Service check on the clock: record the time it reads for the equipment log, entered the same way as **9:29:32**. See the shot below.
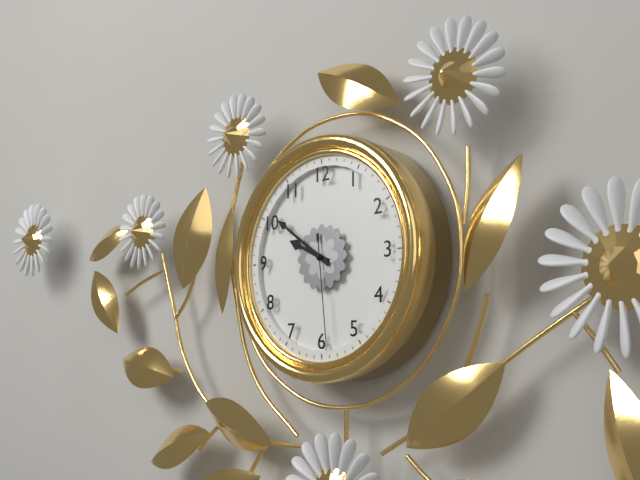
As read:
**9:51:29**
